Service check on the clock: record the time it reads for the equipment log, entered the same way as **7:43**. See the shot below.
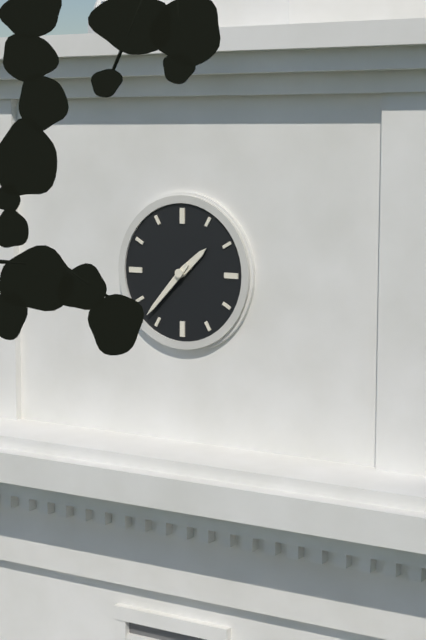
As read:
**1:37**
